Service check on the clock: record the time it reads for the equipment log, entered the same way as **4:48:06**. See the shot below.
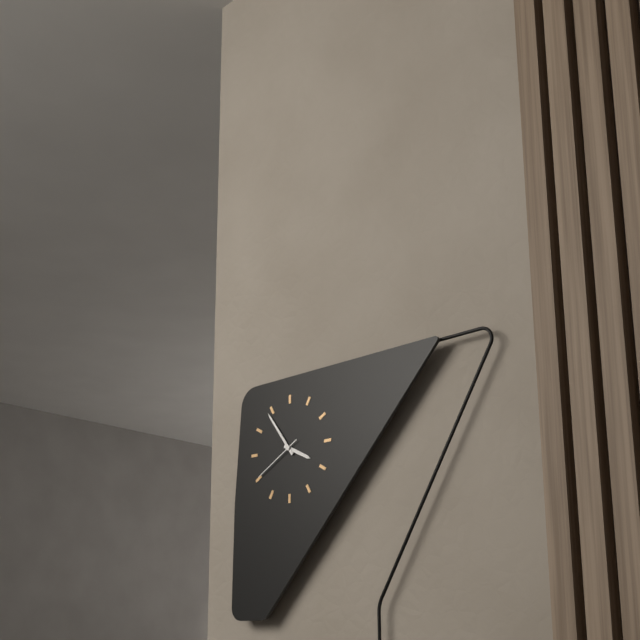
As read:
**3:54:40**
